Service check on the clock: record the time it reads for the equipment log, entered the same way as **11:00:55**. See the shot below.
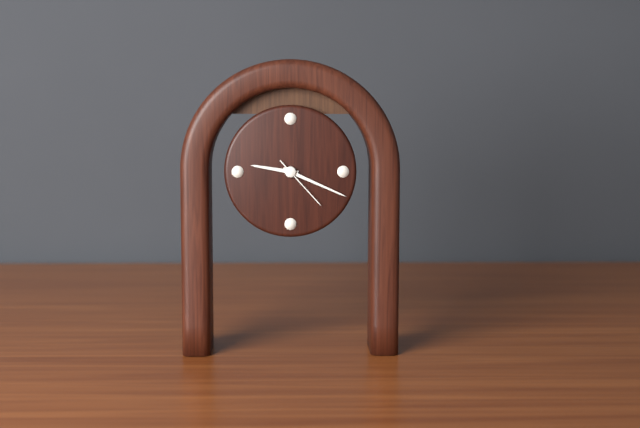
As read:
**9:19:23**
